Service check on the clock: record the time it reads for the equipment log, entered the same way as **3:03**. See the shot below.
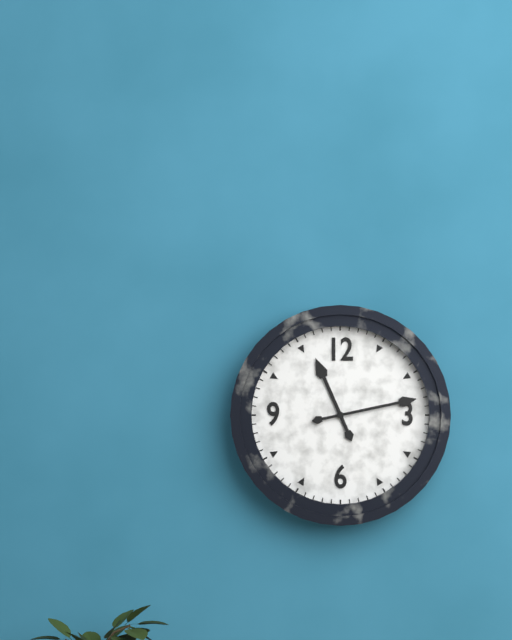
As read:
**11:13**
